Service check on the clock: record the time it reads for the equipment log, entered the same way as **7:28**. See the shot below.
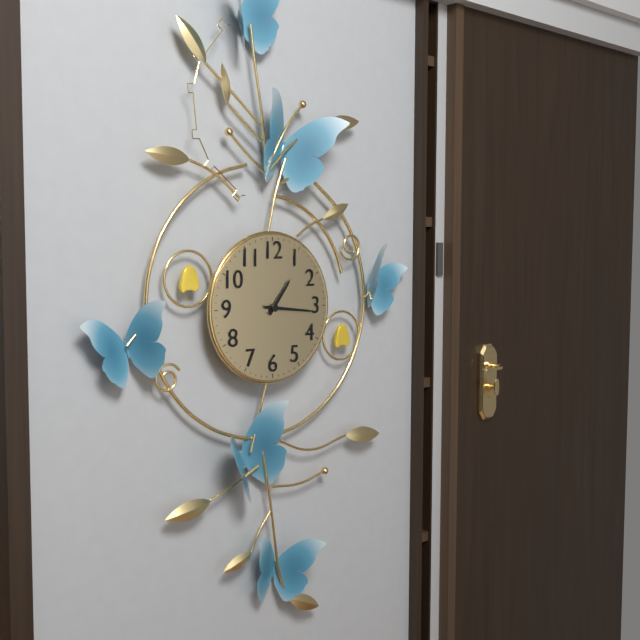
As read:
**1:16**
